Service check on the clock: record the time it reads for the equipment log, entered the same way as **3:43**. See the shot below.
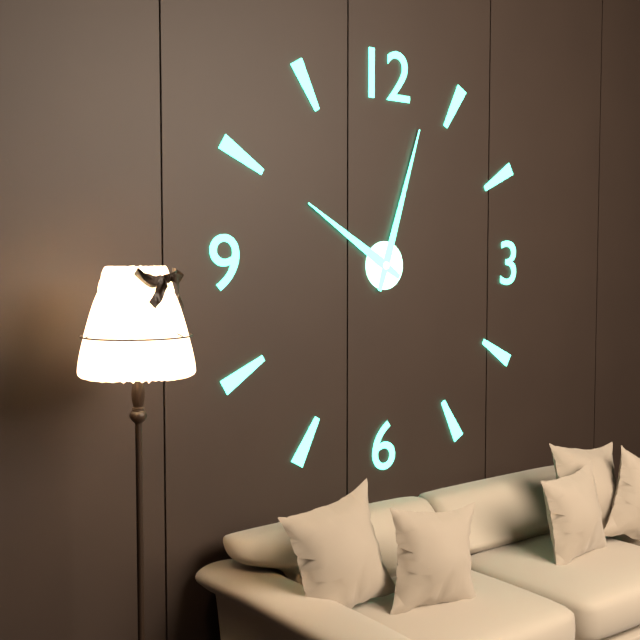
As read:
**10:03**
